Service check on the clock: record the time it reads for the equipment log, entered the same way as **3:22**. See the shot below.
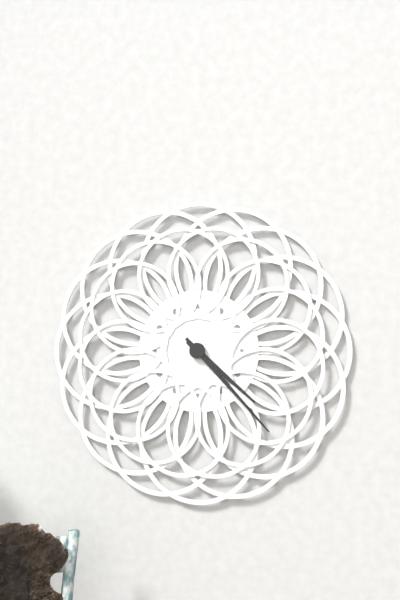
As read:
**4:23**
